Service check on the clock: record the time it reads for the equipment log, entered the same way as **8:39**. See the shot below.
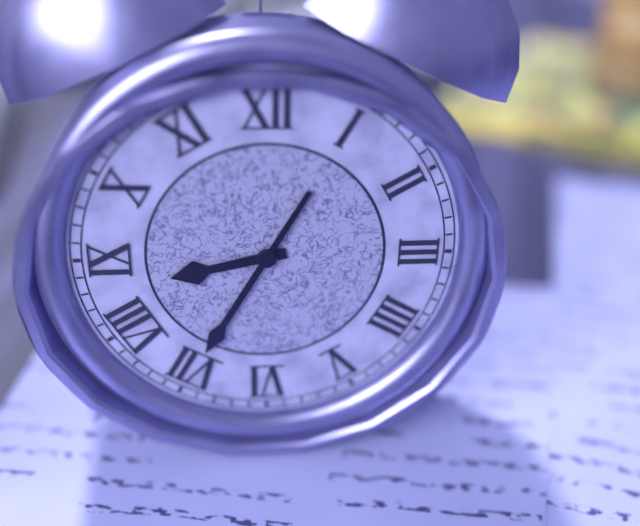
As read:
**8:35**
